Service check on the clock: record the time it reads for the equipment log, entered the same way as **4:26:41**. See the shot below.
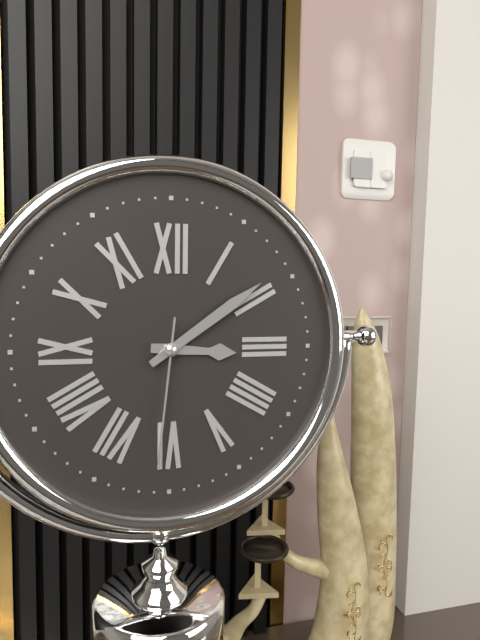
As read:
**3:09:31**
